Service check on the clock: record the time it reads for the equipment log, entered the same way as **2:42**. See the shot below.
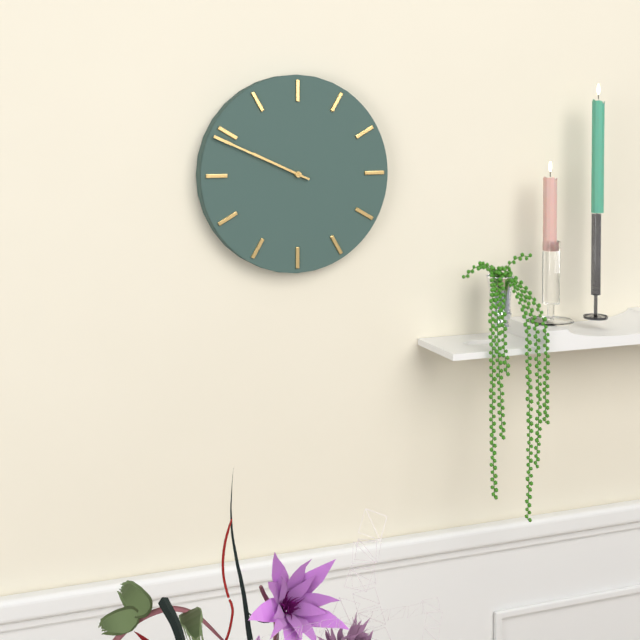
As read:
**9:49**
